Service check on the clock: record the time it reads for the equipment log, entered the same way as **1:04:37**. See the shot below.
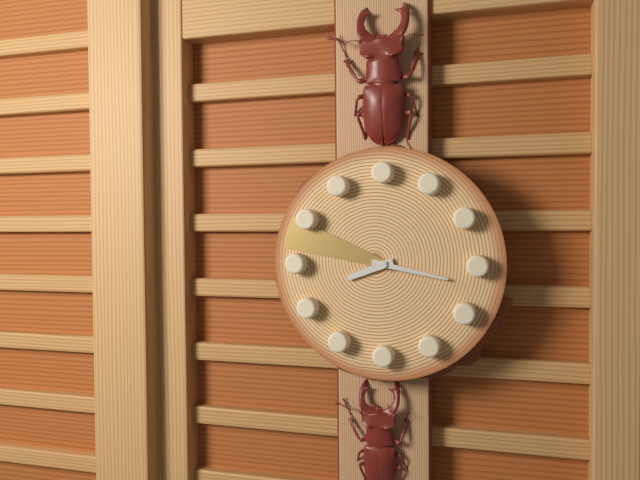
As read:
**8:17:48**
